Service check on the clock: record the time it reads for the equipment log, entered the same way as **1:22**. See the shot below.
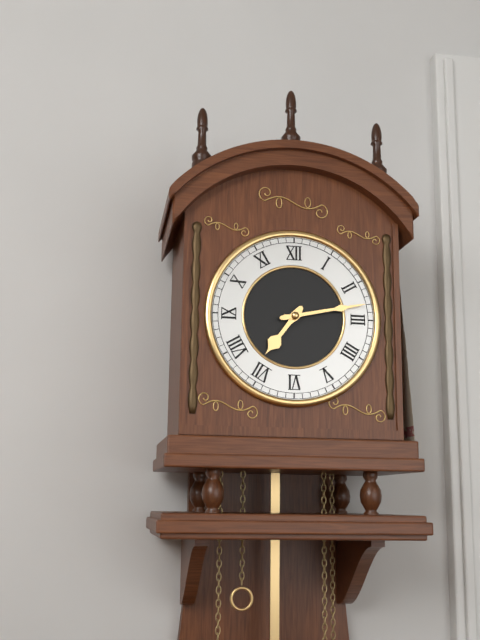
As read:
**7:13**
